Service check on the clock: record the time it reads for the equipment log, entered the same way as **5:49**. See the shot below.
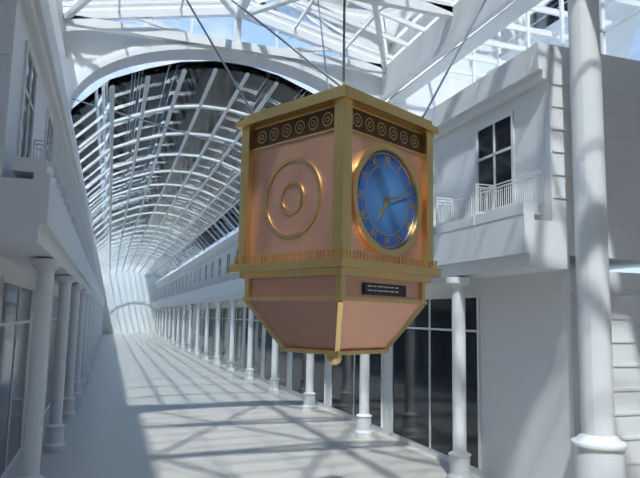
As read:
**7:12**
